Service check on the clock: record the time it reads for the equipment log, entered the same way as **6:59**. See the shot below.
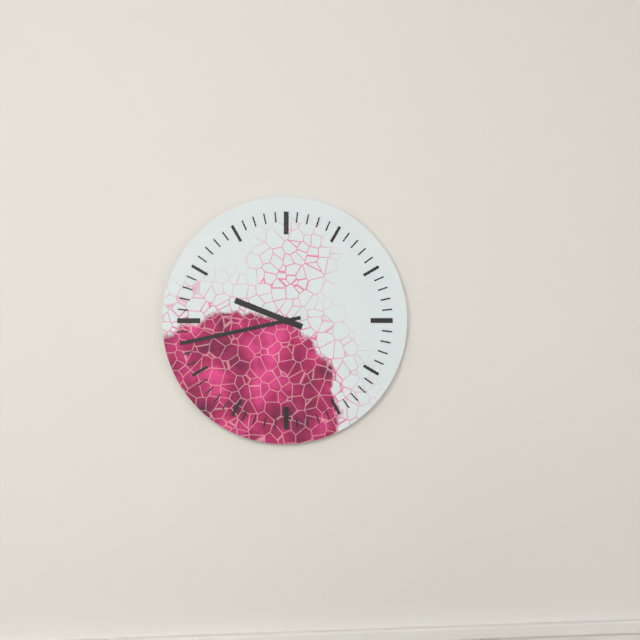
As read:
**9:43**
